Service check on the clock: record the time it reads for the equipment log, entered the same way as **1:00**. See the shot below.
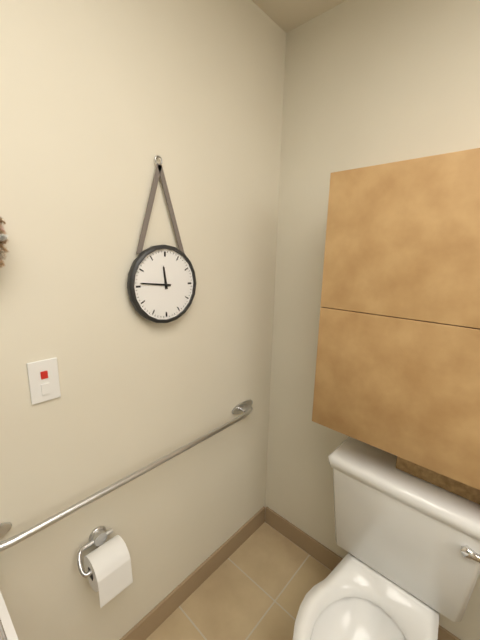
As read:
**11:46**
